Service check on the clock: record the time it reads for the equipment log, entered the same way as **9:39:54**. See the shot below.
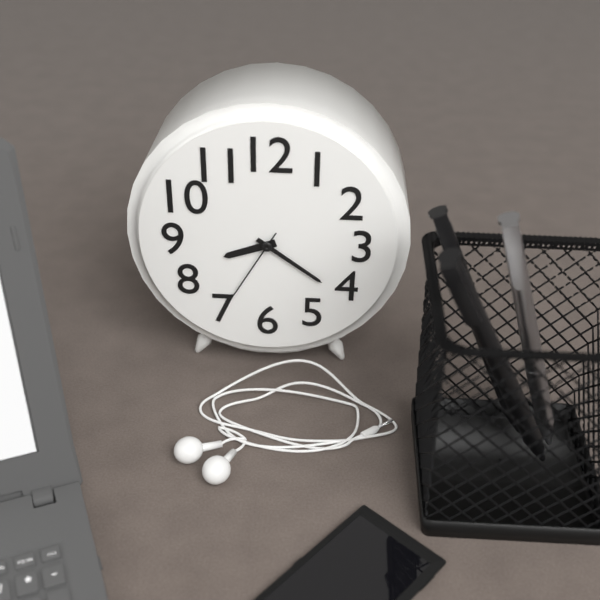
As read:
**8:21:35**
